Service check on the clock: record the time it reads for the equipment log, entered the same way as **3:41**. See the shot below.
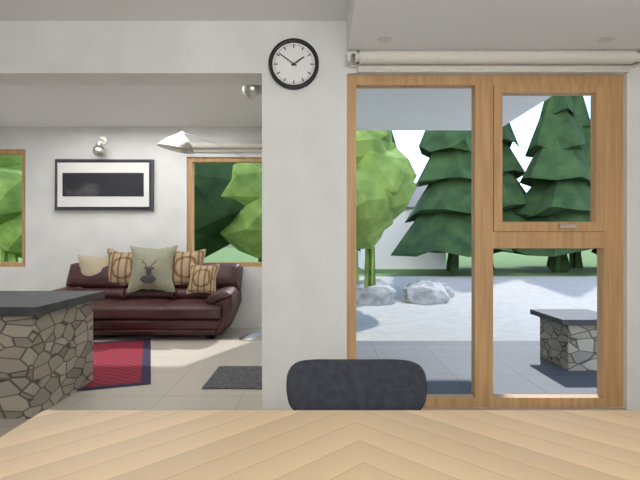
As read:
**1:51**
